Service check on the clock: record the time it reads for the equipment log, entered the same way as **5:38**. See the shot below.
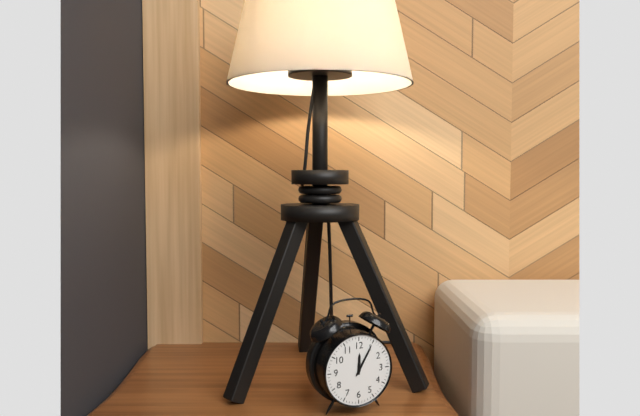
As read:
**12:05**
